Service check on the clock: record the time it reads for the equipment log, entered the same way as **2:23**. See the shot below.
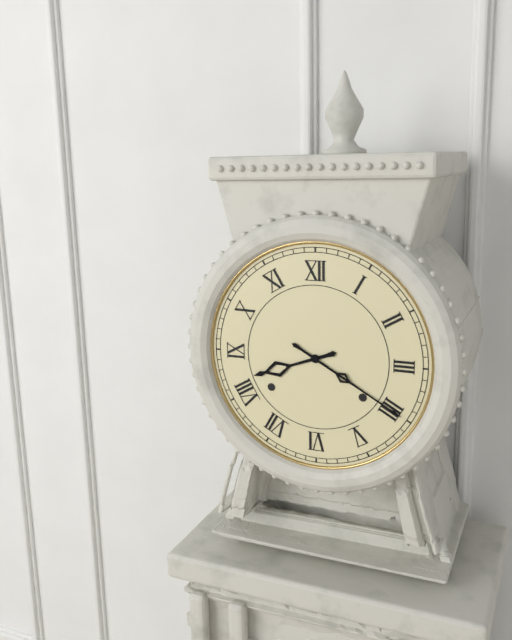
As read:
**8:20**
